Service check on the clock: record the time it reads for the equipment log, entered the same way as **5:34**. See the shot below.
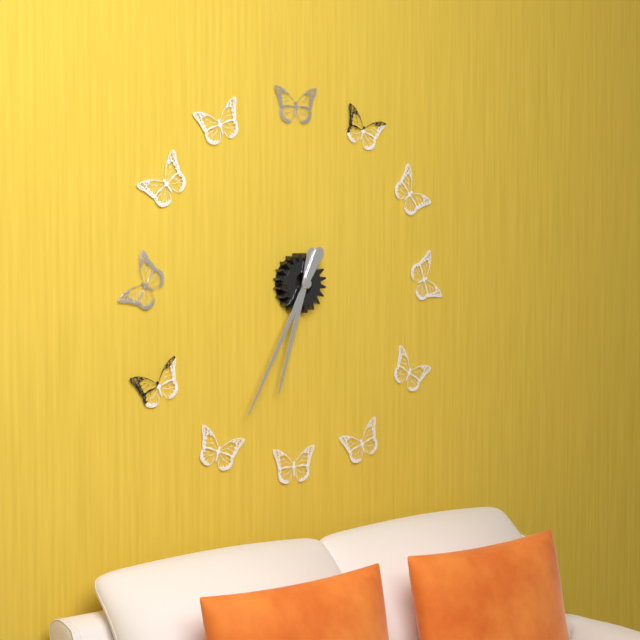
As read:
**6:35**
